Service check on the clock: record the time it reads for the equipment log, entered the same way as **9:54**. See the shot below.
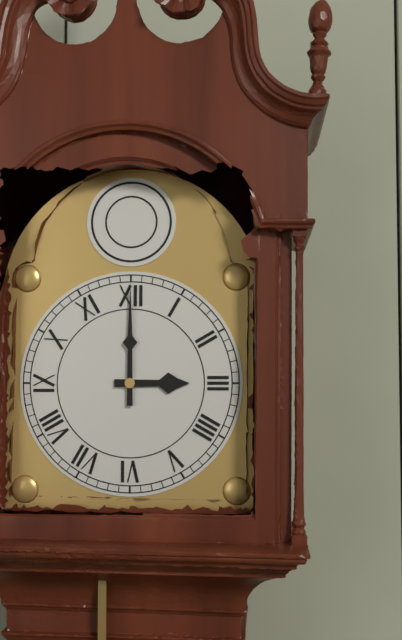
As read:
**3:00**
